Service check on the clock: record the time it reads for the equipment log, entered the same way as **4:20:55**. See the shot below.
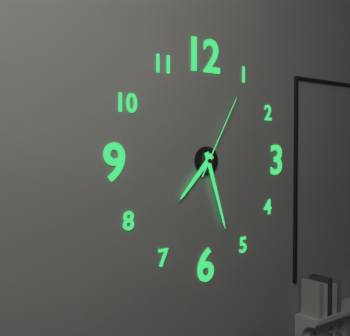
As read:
**7:27:05**
